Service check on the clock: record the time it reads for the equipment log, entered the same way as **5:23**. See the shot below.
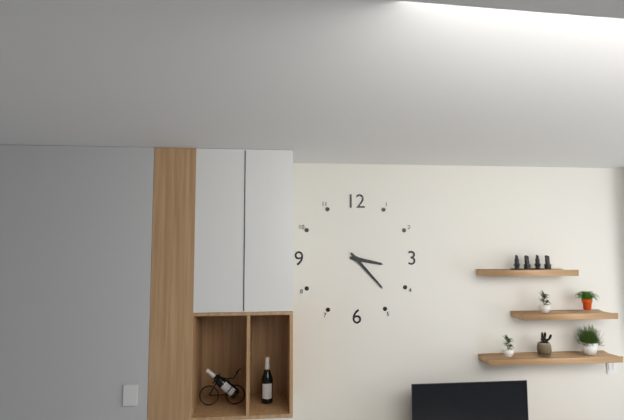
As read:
**3:23**
